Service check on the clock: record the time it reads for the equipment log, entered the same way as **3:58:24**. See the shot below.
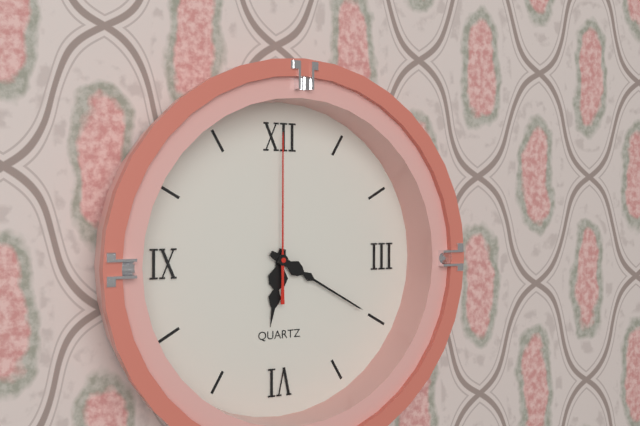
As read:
**6:20:00**
